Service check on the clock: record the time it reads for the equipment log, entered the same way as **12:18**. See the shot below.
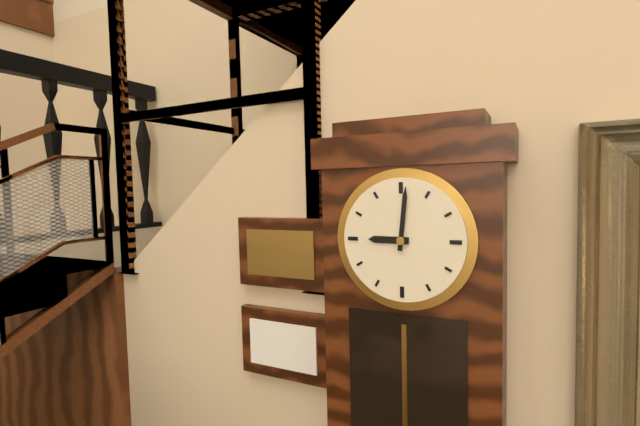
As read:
**9:01**
